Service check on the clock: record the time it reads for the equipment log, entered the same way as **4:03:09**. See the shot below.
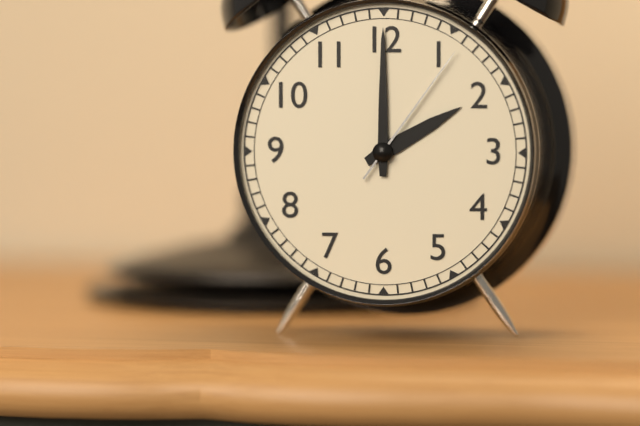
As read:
**2:00:06**
